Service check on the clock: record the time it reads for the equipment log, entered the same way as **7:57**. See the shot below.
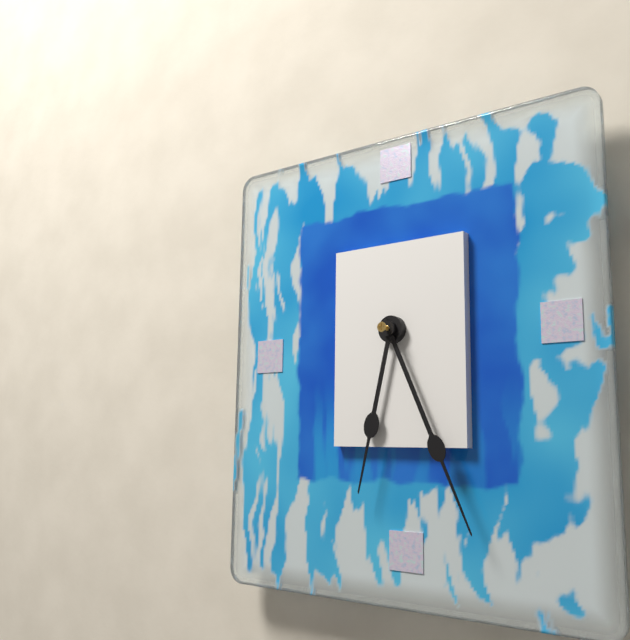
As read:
**6:26**
